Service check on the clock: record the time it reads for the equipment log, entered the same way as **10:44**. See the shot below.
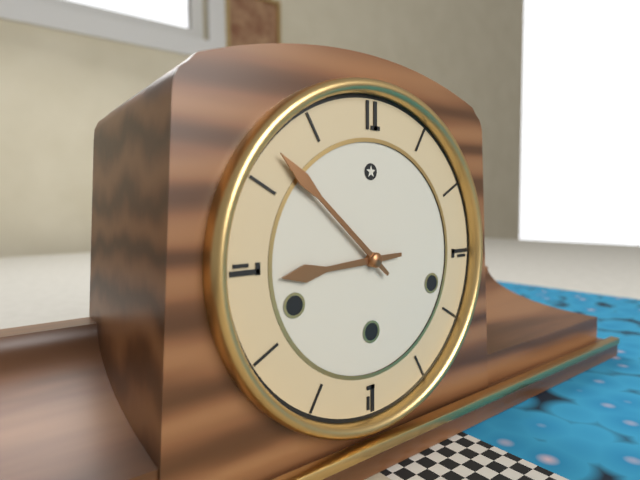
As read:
**8:52**
